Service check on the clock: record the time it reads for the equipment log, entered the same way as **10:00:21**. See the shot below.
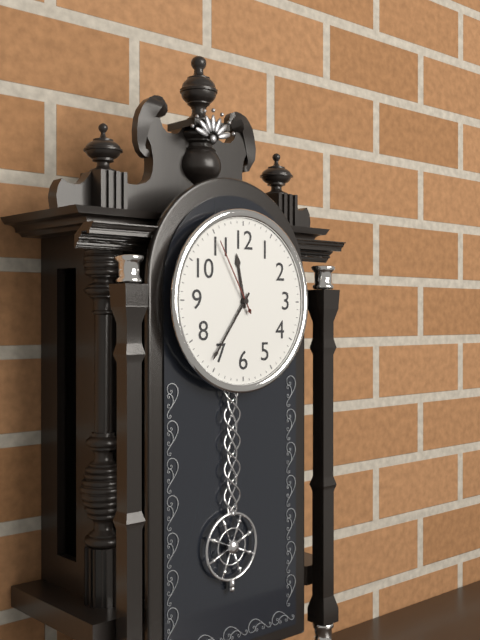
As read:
**11:36:55**
